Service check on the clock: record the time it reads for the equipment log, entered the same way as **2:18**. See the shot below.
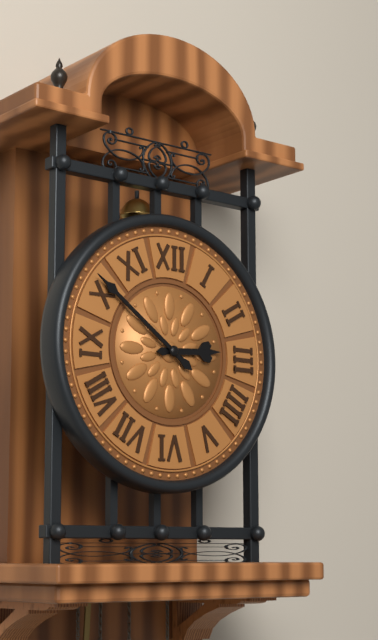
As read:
**2:51**
